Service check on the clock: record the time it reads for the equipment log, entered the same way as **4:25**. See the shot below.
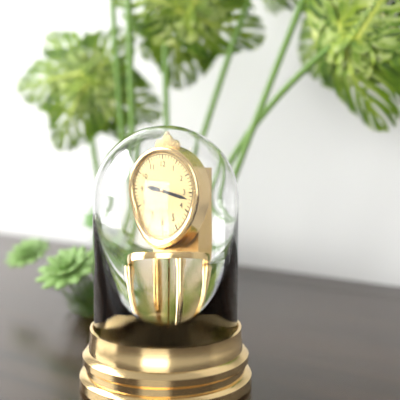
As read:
**9:17**
